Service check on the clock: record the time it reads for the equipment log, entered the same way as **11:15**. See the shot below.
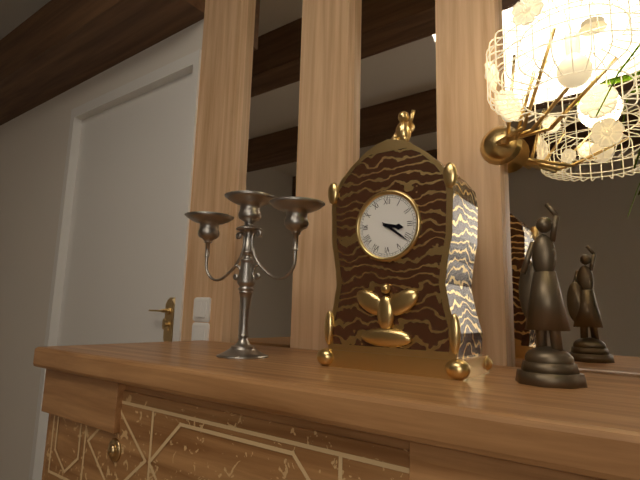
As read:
**3:21**
